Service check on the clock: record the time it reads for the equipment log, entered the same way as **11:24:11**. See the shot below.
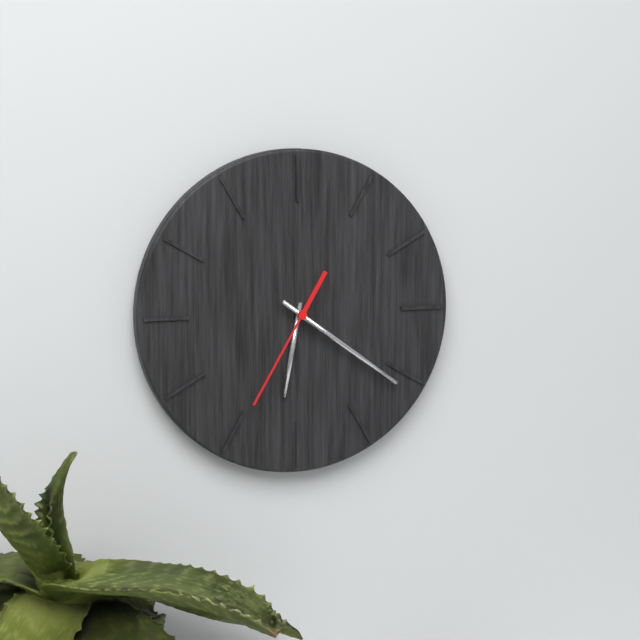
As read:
**6:21:35**
